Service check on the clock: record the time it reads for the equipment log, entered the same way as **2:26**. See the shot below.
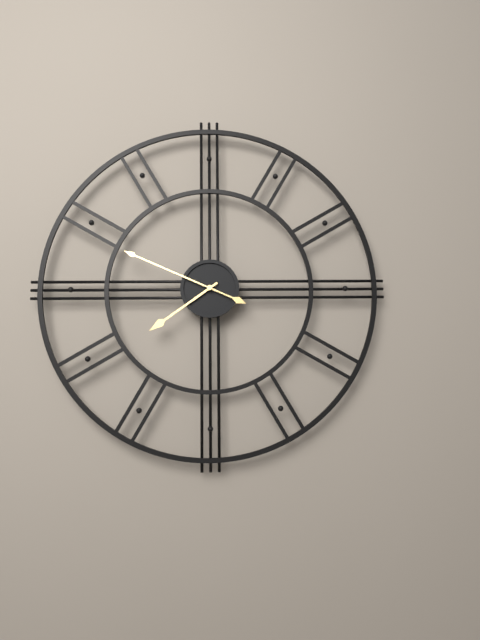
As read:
**7:49**
